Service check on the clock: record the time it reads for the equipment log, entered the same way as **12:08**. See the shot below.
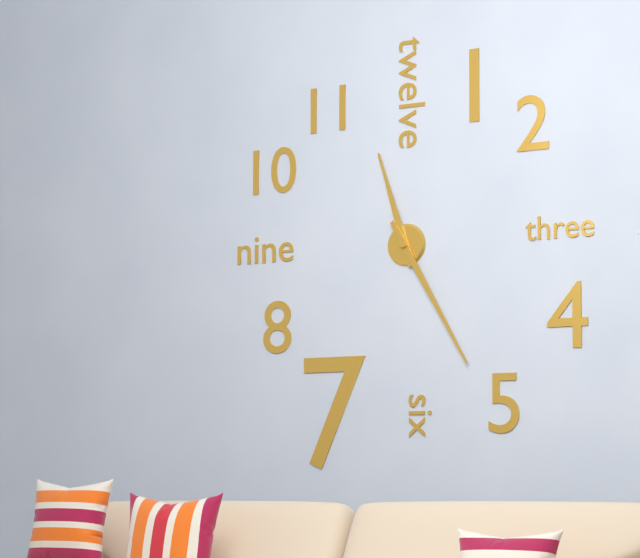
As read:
**11:25**
